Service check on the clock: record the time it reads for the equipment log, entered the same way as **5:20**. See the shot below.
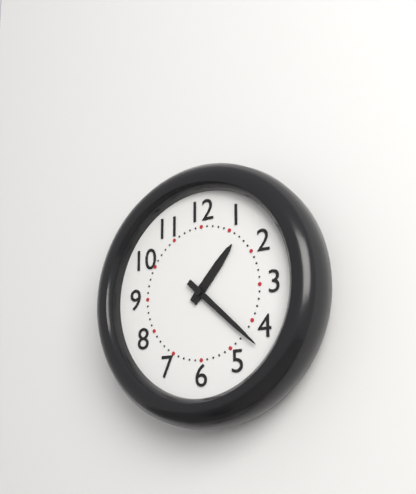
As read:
**1:22**
